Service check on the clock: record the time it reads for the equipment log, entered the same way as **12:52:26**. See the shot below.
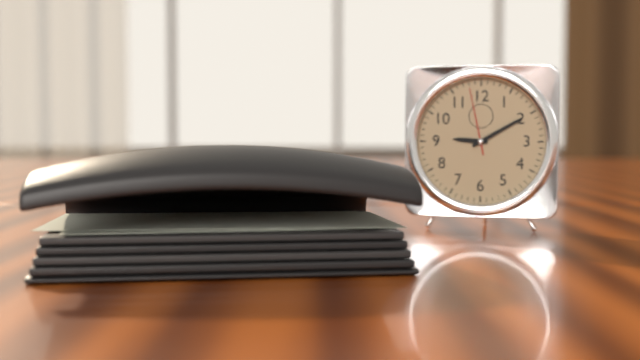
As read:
**9:10:58**
